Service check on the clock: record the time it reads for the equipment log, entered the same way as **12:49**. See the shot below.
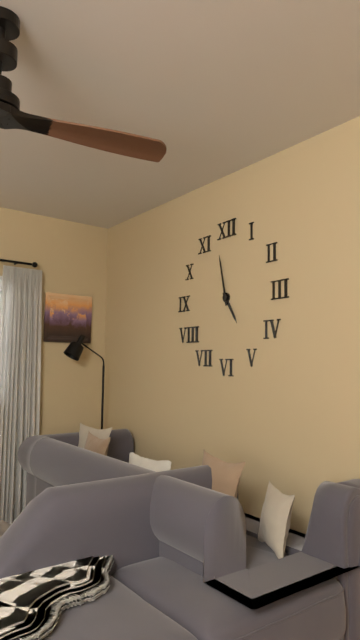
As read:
**4:58**
